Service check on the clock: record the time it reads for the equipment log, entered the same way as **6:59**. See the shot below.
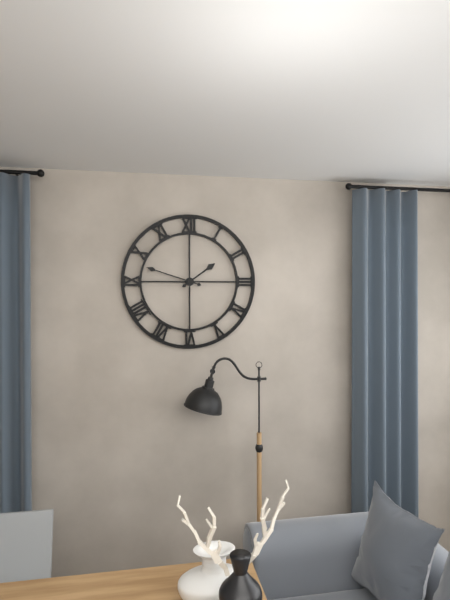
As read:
**1:48**
